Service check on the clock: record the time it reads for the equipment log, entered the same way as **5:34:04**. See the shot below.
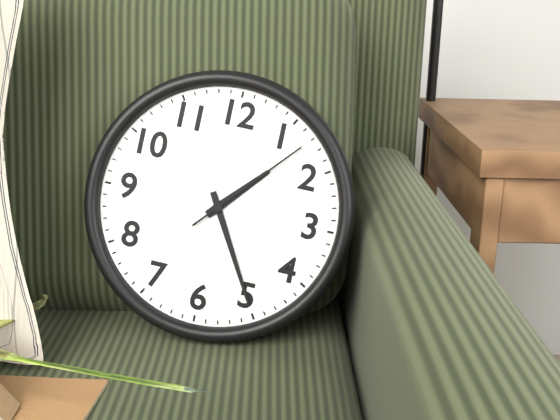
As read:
**1:25:07**
